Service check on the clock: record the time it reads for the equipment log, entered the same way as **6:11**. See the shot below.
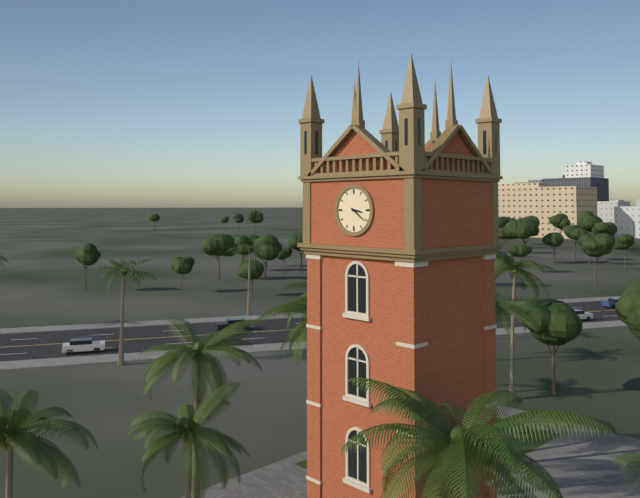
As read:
**3:21**
